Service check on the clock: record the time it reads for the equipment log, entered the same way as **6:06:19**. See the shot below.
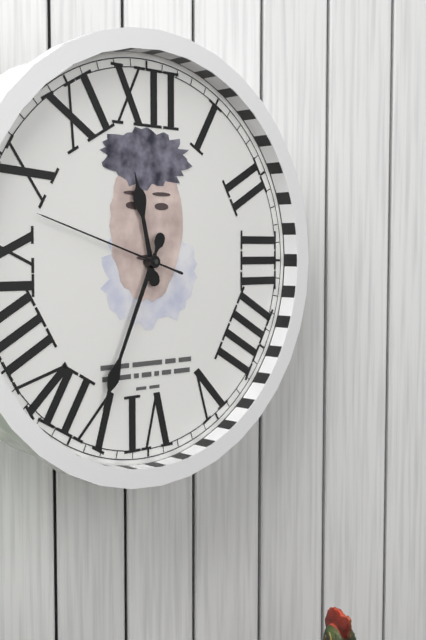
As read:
**11:34:48**
